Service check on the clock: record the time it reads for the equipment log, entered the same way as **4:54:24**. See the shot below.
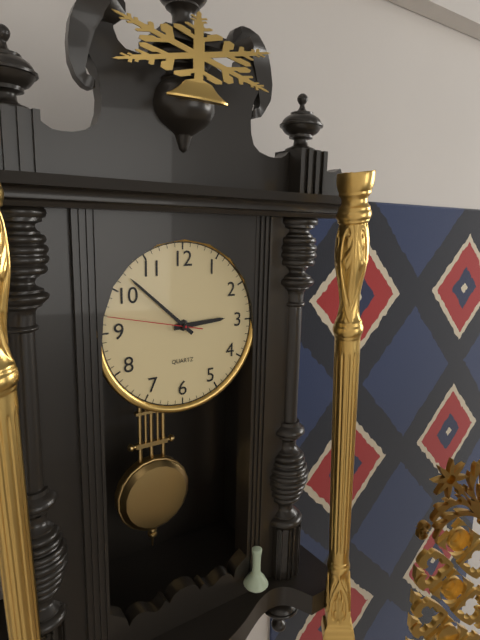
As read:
**2:52:47**
